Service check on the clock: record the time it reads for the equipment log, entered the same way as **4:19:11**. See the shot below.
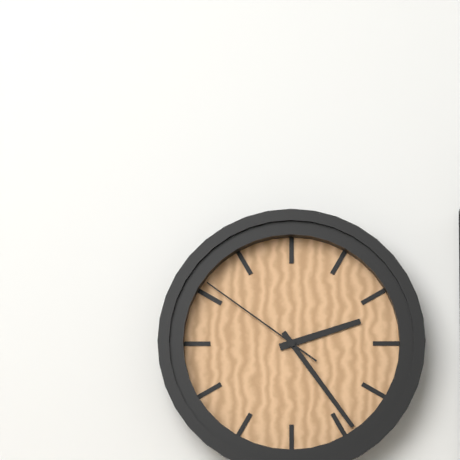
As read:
**2:24:51**
